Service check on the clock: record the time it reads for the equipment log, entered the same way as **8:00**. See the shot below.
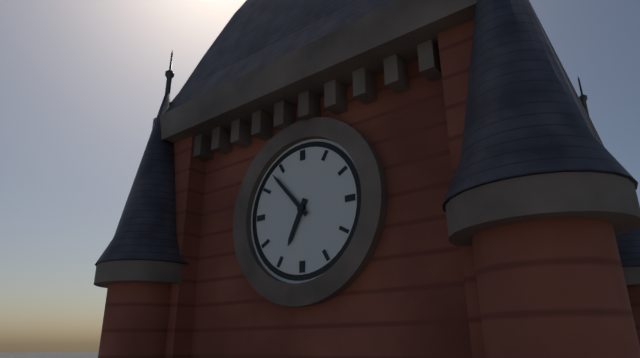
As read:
**6:53**
